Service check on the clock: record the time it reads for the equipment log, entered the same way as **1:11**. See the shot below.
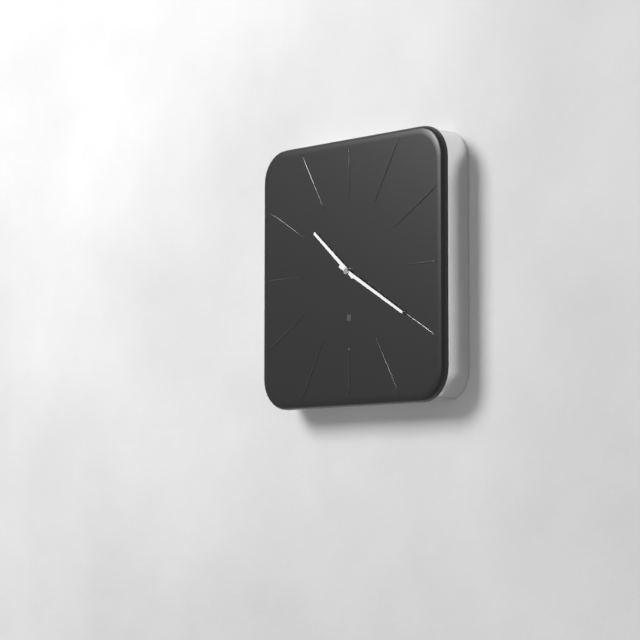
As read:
**10:20**
